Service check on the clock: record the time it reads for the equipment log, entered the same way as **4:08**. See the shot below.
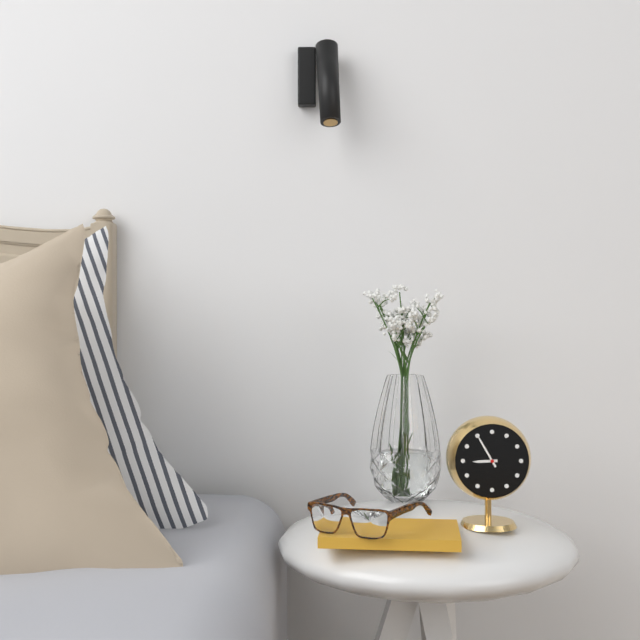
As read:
**8:55**
